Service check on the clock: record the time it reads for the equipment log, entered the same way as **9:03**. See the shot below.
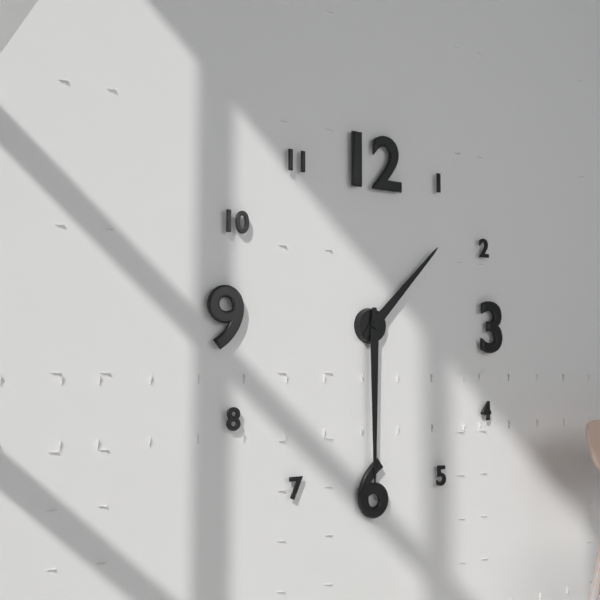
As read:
**1:30**
